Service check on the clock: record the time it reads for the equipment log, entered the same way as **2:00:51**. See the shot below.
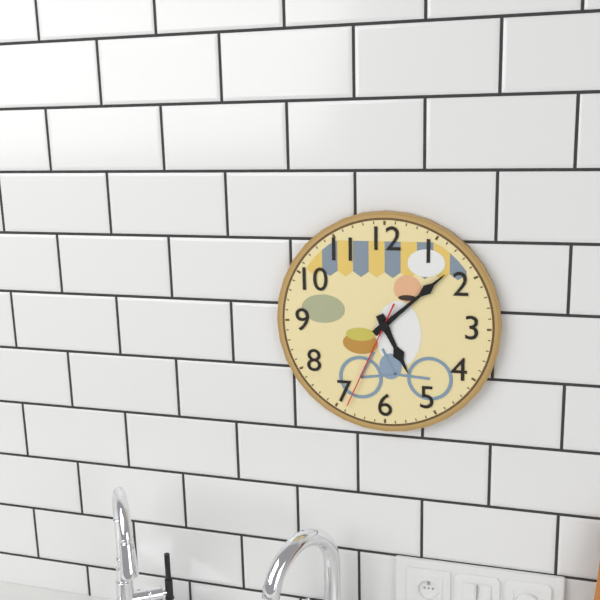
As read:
**5:08:34**
